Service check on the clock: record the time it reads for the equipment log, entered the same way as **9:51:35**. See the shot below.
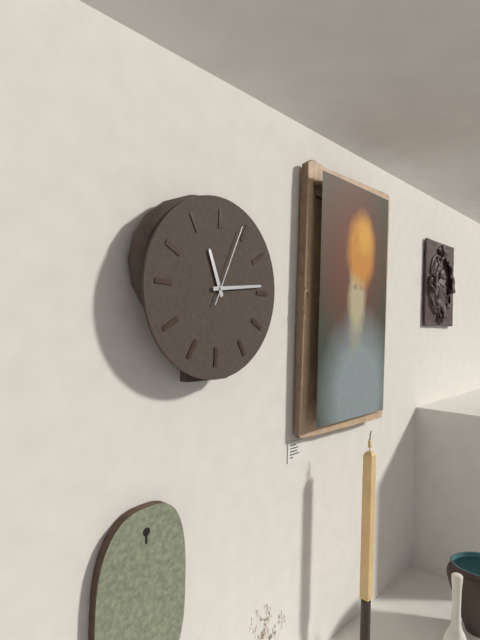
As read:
**11:14:04**
